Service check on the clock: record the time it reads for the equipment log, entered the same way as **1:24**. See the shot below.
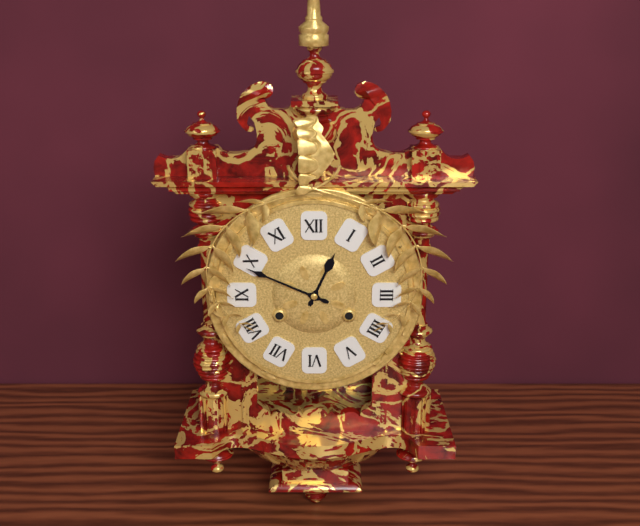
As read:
**12:49**
